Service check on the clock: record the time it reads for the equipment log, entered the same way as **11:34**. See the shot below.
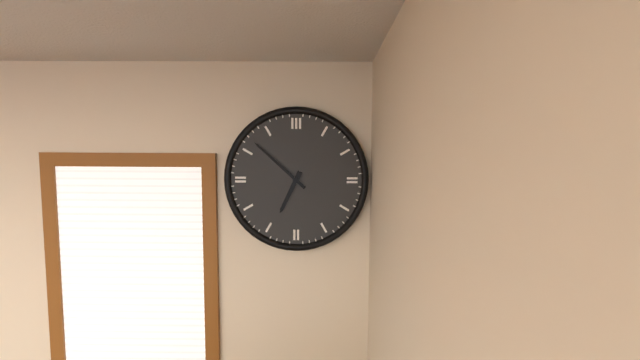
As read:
**6:52**
